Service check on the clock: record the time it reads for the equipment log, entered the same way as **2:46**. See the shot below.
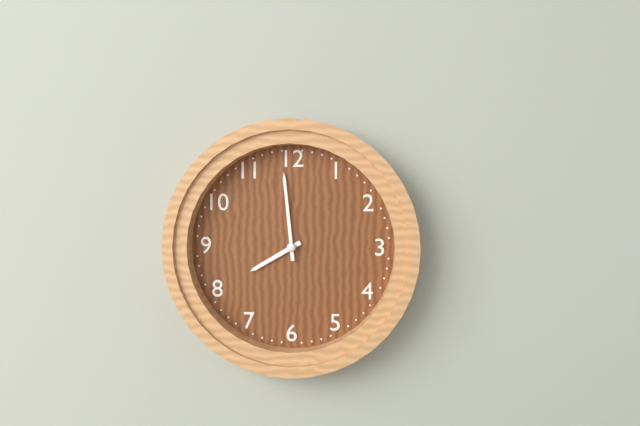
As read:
**7:59**
